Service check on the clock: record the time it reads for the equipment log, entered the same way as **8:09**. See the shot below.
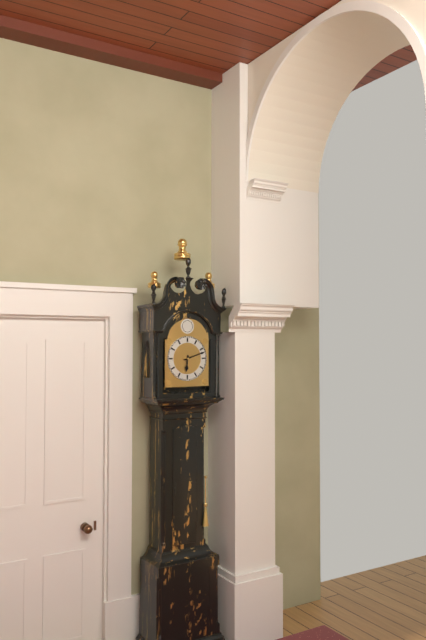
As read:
**6:12**
